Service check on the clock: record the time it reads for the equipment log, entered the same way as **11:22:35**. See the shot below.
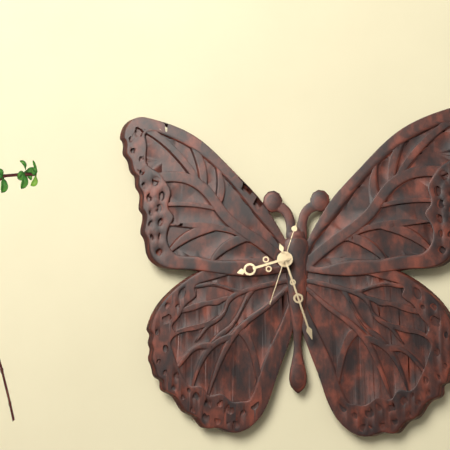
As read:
**8:27:33**
